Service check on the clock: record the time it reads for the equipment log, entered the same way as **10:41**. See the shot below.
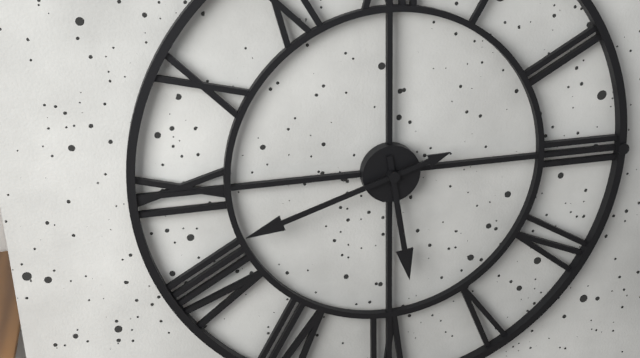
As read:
**5:42**
